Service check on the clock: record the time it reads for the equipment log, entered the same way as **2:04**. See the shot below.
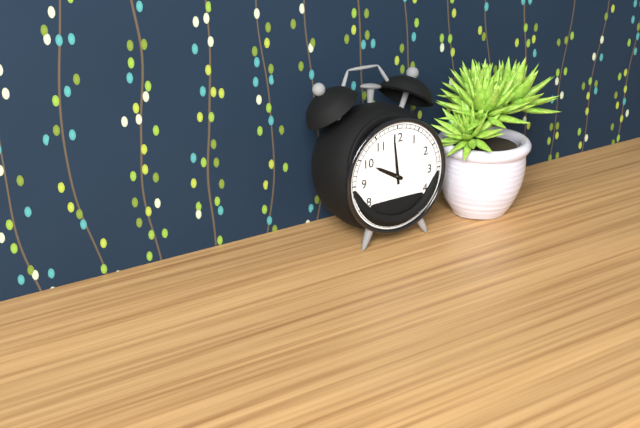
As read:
**9:59**
